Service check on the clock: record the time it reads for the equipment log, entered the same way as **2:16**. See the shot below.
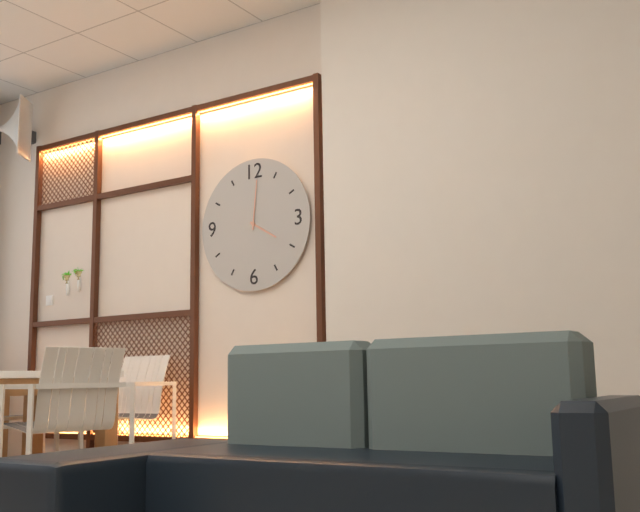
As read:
**4:01**
